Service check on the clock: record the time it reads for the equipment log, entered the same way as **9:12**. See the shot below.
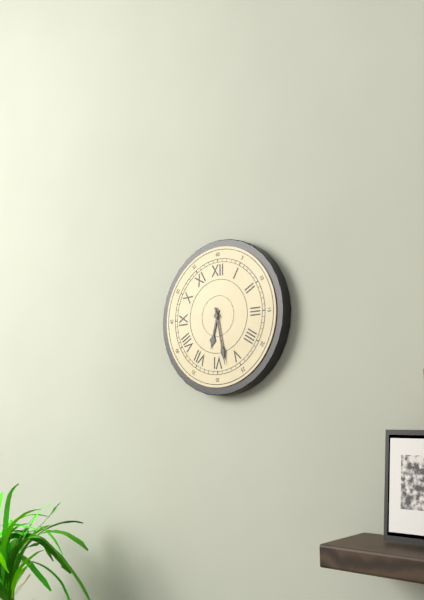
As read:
**6:28**
